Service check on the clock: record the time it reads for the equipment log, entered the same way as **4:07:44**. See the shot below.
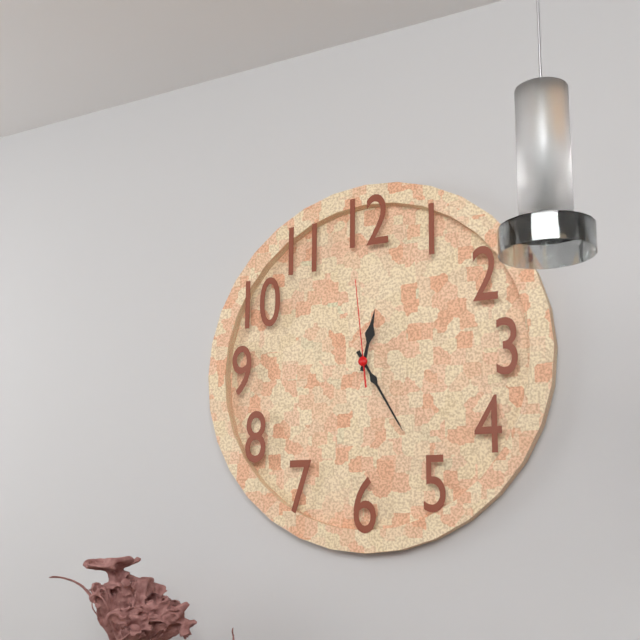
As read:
**12:25:59**
